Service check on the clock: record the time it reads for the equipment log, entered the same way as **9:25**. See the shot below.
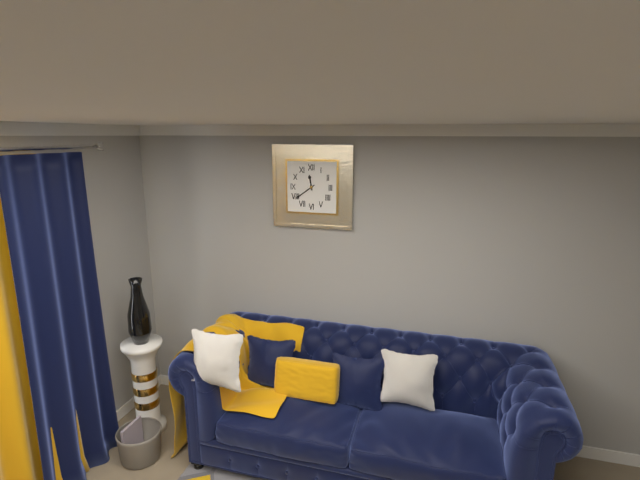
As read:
**11:39**
